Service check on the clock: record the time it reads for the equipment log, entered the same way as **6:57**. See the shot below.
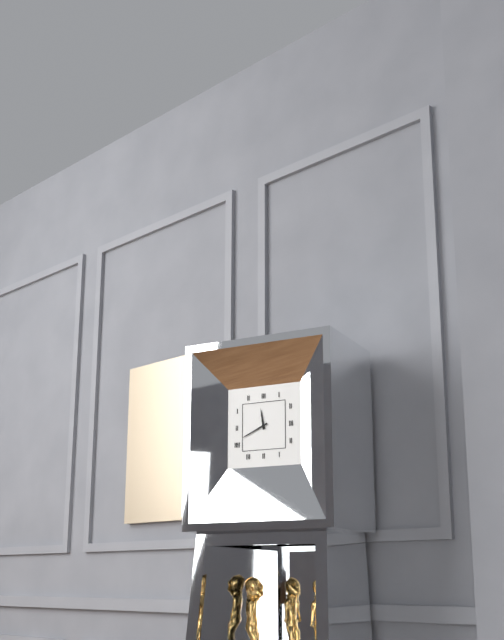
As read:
**11:41**
